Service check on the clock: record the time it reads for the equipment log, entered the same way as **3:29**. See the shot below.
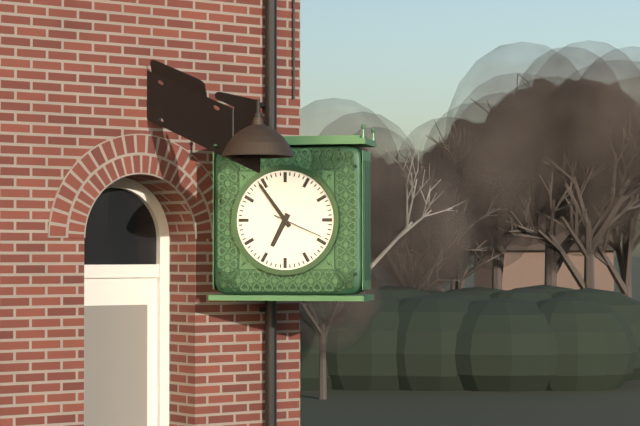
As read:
**6:54**
